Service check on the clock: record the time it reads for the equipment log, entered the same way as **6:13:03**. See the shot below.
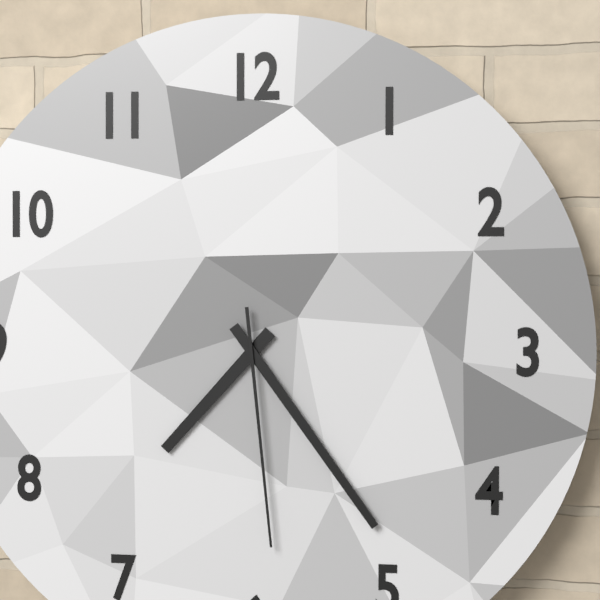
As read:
**7:24:29**
